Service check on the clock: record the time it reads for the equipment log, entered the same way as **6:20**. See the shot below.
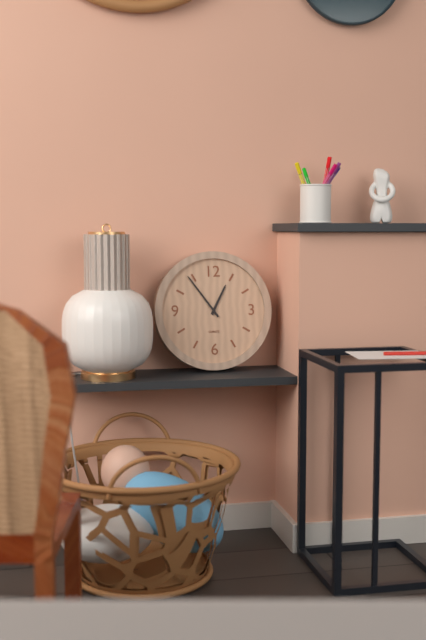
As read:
**12:54**
